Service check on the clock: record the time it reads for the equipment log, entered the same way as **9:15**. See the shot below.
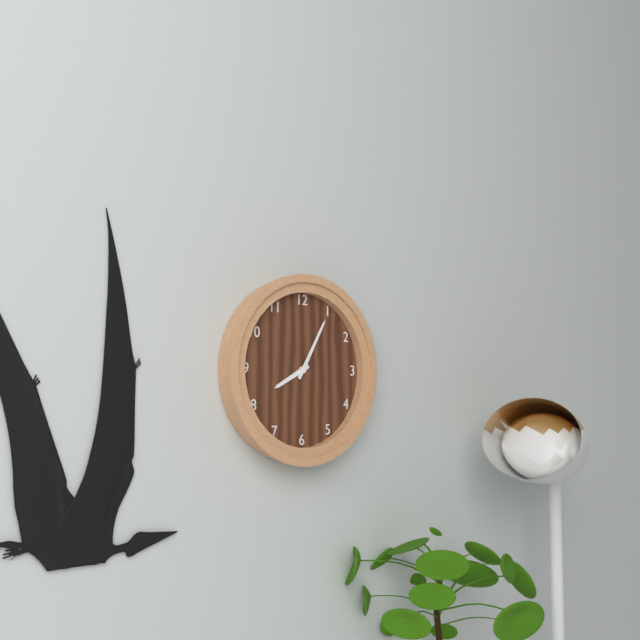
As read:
**8:05**
